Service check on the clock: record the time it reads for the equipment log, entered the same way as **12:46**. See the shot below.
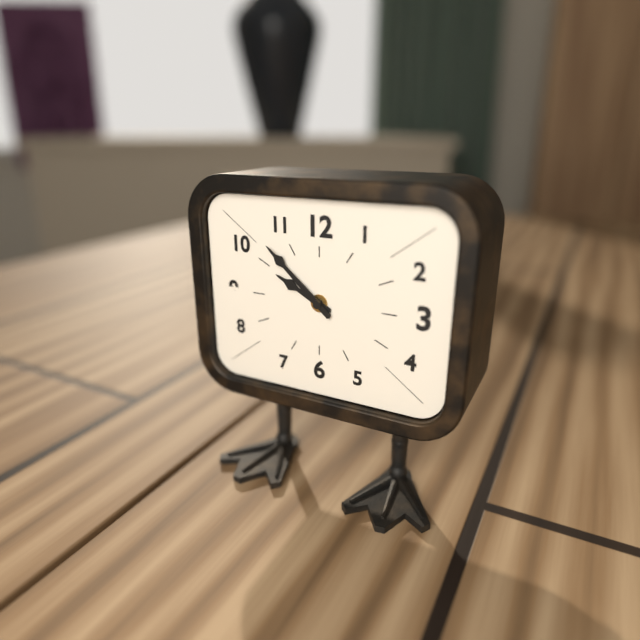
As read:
**9:52**
